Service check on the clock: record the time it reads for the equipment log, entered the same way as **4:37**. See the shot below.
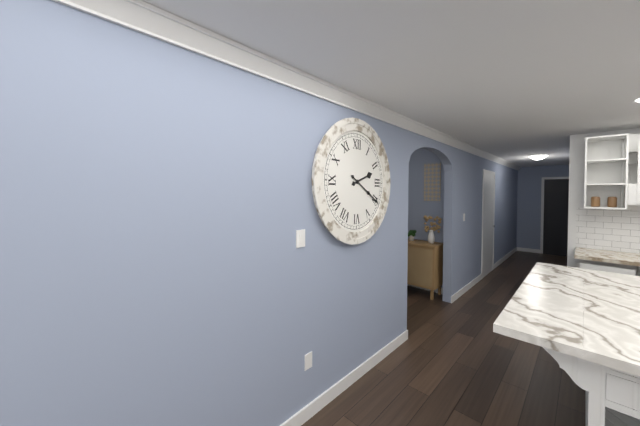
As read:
**2:20**
